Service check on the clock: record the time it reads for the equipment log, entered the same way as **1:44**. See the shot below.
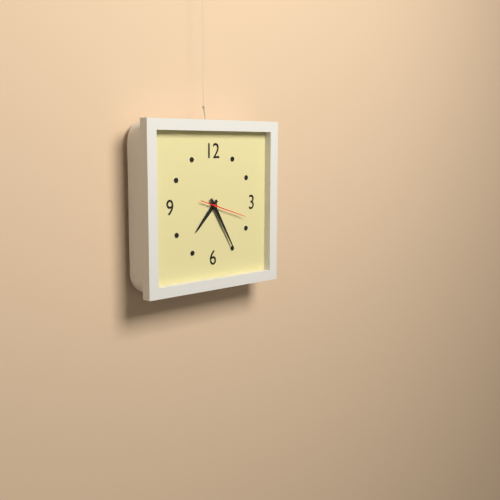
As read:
**7:25**
